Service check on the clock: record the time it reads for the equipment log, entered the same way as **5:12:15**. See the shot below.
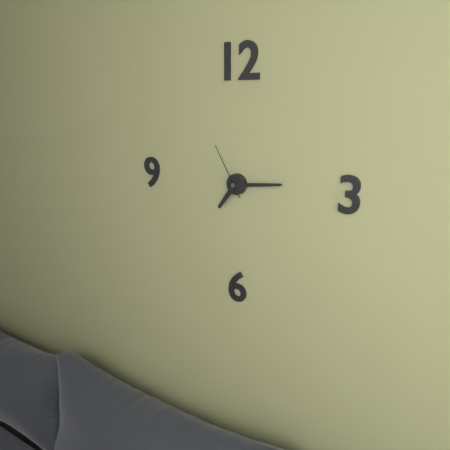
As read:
**7:14:55**
